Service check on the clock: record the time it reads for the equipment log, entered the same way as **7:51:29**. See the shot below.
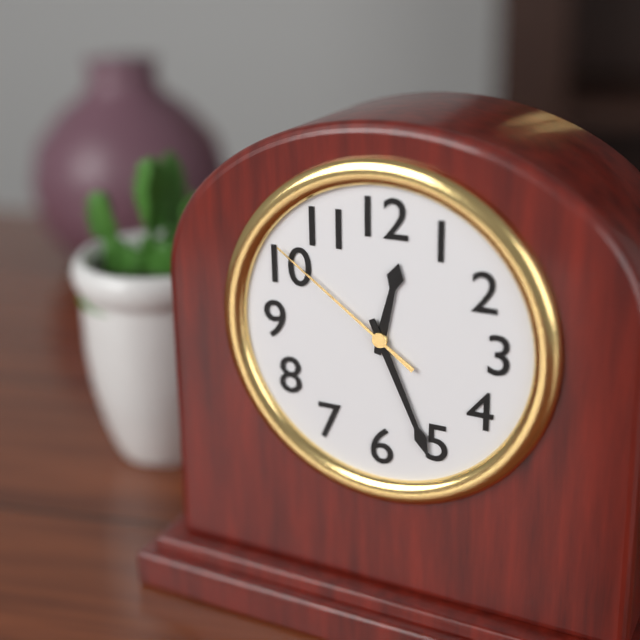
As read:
**12:26:51**
